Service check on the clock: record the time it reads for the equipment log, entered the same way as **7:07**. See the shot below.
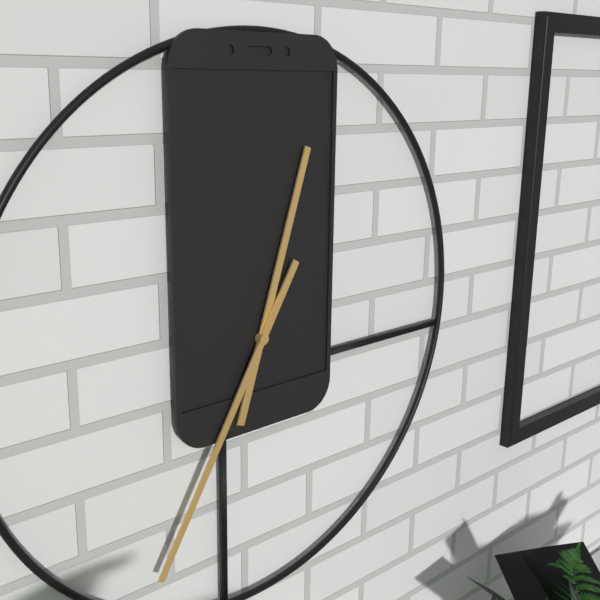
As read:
**12:35**
